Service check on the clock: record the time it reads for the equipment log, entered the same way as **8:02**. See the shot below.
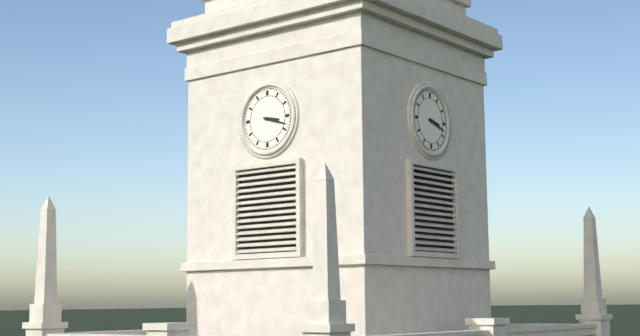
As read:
**3:18**
